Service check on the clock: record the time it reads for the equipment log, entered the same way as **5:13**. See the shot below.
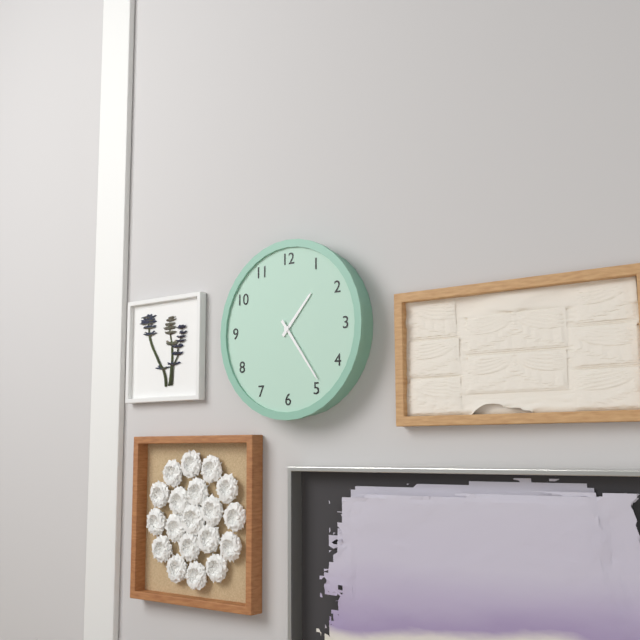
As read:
**1:24**
